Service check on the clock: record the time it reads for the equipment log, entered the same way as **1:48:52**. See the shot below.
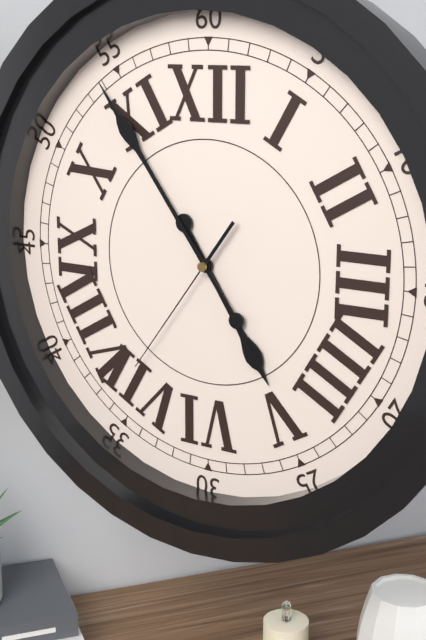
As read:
**4:54:36**
